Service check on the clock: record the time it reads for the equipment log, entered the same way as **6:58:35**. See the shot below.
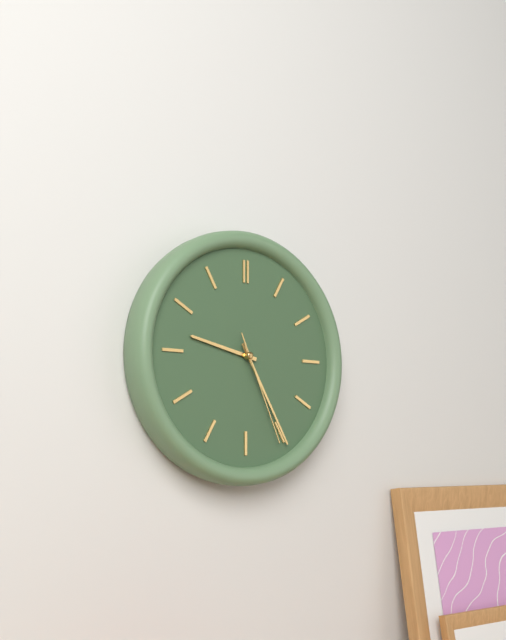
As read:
**9:25:26**
